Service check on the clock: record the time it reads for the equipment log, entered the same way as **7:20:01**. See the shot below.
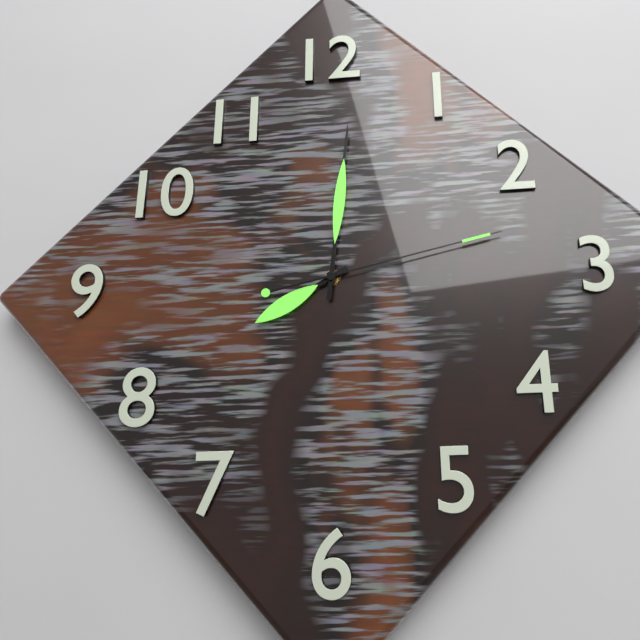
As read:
**8:01:13**
